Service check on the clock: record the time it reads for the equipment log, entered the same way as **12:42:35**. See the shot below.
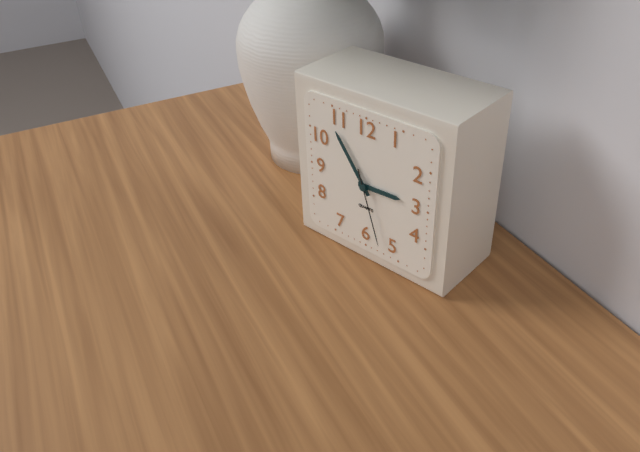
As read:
**2:54:27**
